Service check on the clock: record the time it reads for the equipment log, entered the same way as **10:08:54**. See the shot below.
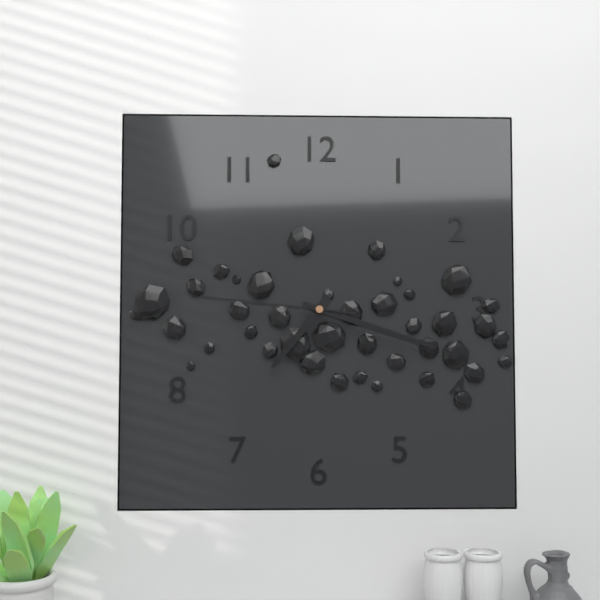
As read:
**7:18:46**
